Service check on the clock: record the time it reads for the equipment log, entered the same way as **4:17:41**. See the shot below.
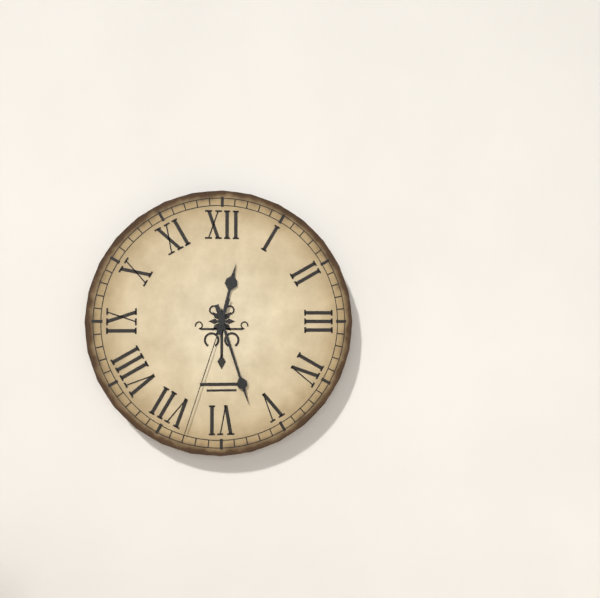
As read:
**12:27:33**
